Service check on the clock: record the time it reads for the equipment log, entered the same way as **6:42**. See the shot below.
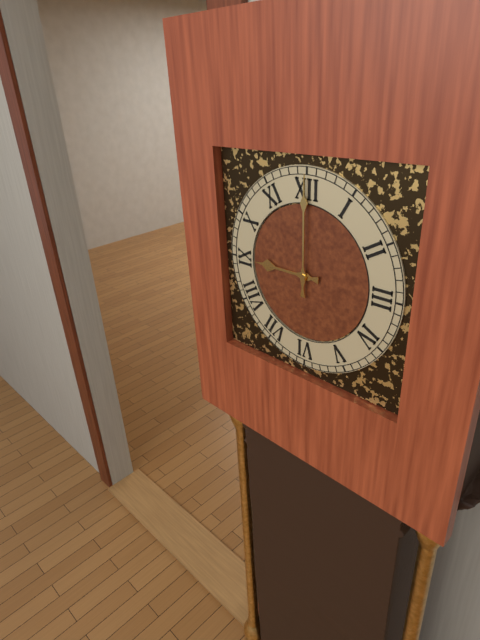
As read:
**9:00**
